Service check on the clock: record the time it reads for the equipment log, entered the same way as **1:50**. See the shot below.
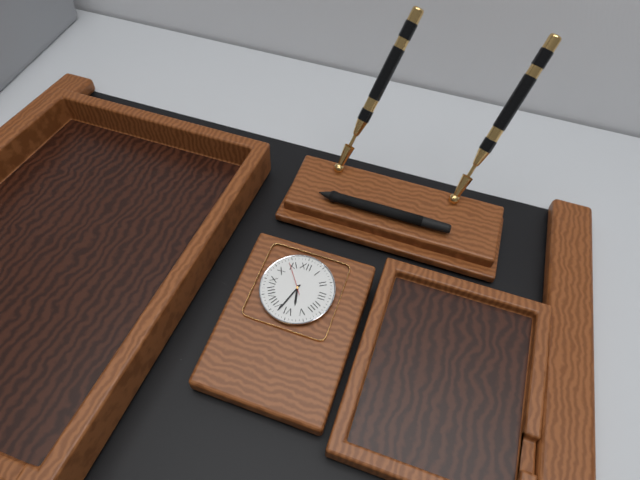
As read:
**5:33**
